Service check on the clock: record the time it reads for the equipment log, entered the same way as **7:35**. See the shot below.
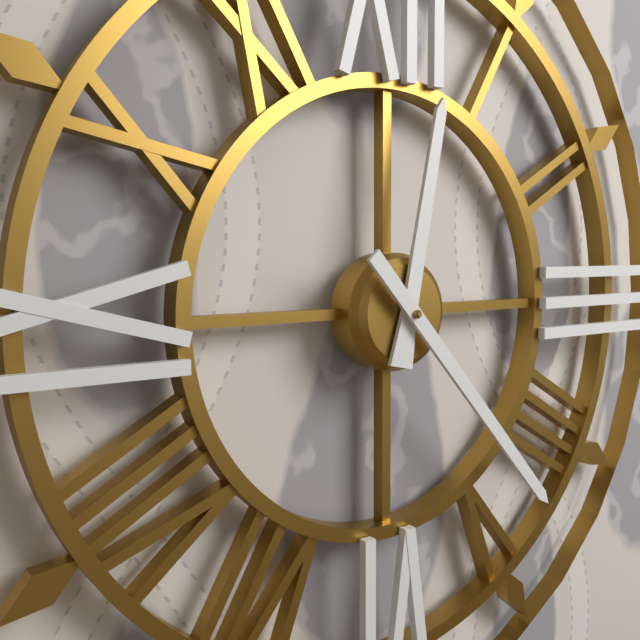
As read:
**12:23**
